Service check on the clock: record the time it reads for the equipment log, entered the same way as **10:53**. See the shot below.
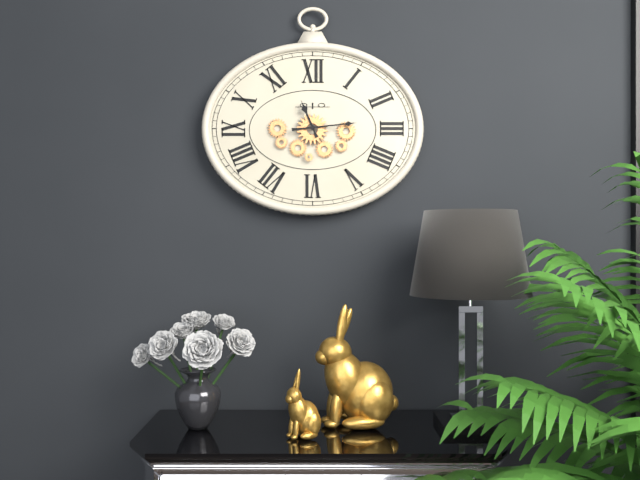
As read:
**11:14**
